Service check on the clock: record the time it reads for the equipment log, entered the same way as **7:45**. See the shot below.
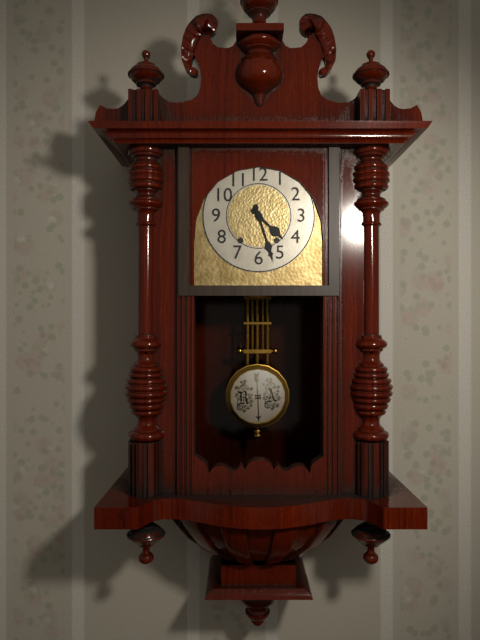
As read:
**4:27**
